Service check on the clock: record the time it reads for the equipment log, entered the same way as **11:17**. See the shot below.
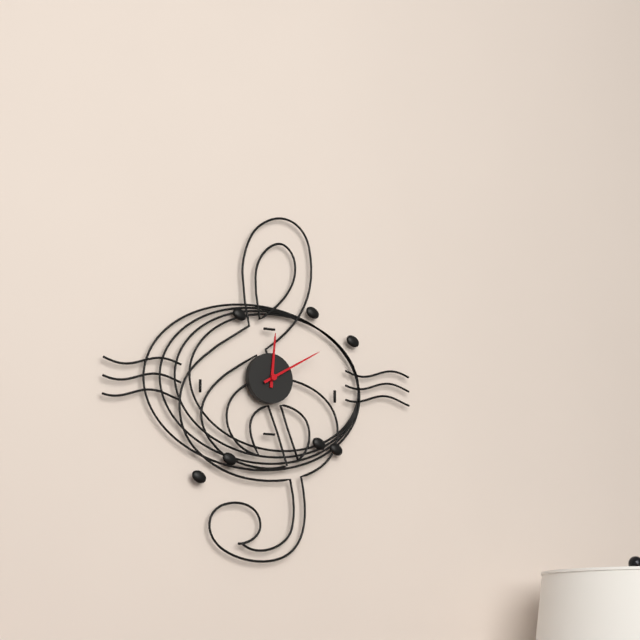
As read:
**12:10**
